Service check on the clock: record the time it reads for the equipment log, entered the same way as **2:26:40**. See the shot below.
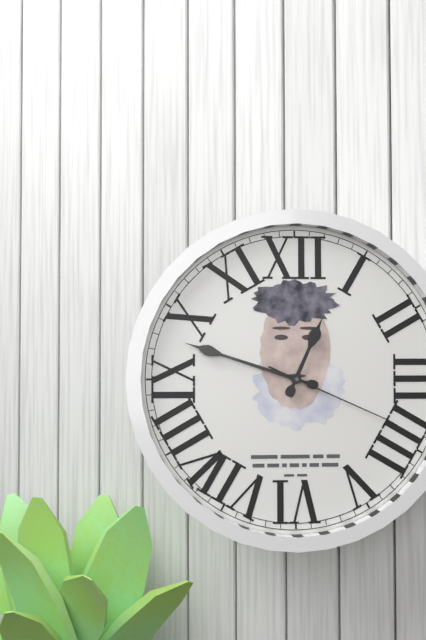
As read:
**12:48:19**
